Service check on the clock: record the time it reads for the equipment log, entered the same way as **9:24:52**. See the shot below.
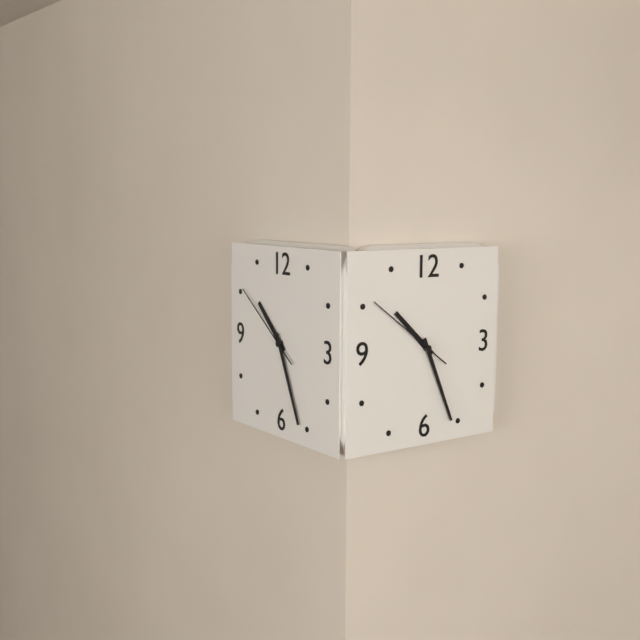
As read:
**10:26:51**
